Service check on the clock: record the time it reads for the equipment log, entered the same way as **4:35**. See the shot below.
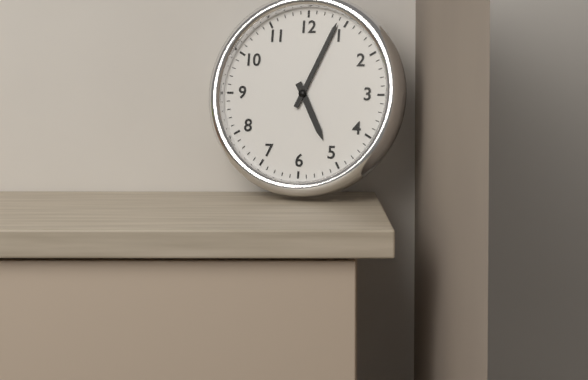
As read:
**5:04**
